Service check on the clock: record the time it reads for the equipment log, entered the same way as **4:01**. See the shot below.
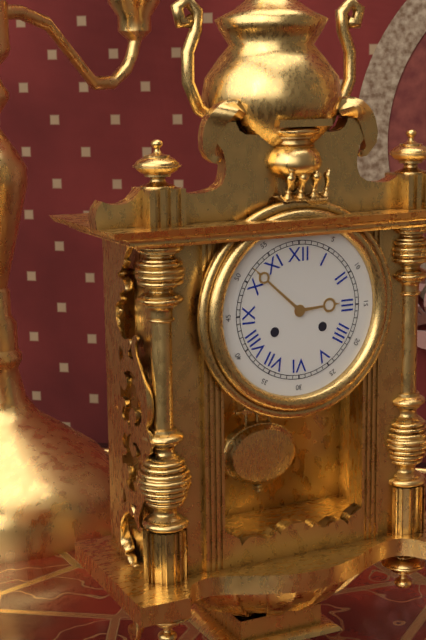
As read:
**2:52**
